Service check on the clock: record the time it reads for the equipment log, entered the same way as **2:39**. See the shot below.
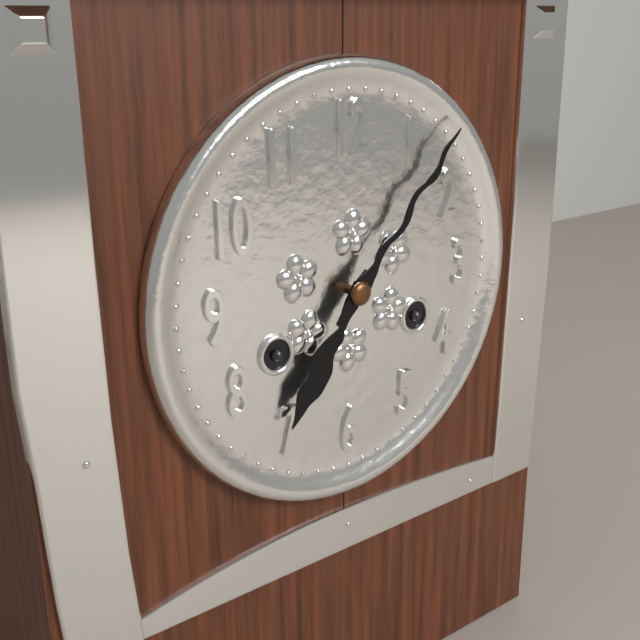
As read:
**7:07**
